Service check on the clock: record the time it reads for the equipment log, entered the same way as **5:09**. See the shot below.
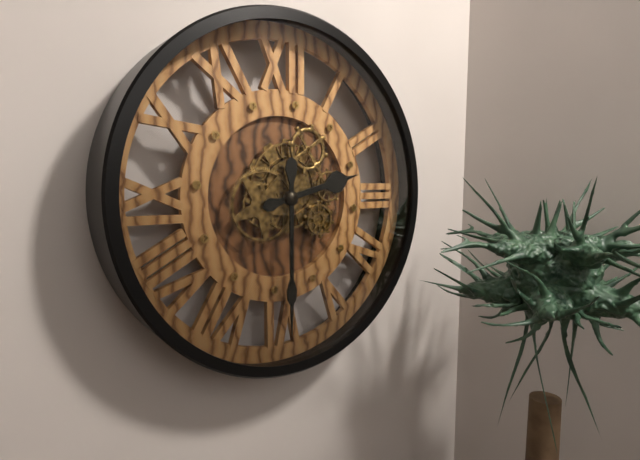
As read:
**2:30**
